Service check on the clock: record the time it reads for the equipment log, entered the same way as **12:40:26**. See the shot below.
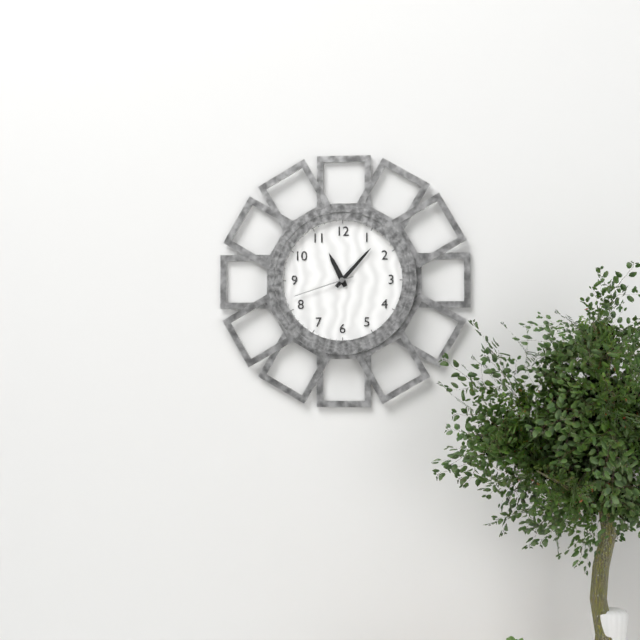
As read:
**11:07:42**
